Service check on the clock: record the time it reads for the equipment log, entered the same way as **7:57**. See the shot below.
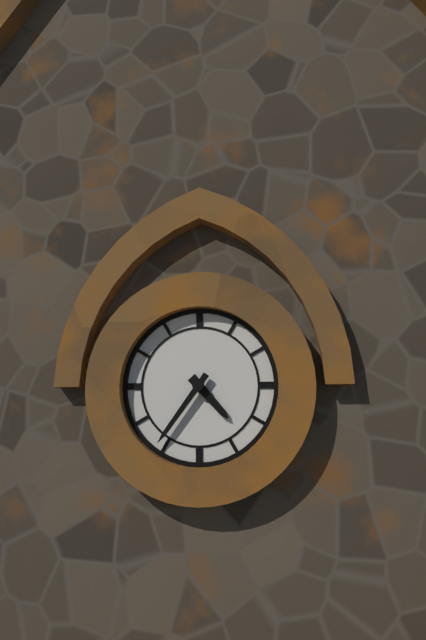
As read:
**4:36**
